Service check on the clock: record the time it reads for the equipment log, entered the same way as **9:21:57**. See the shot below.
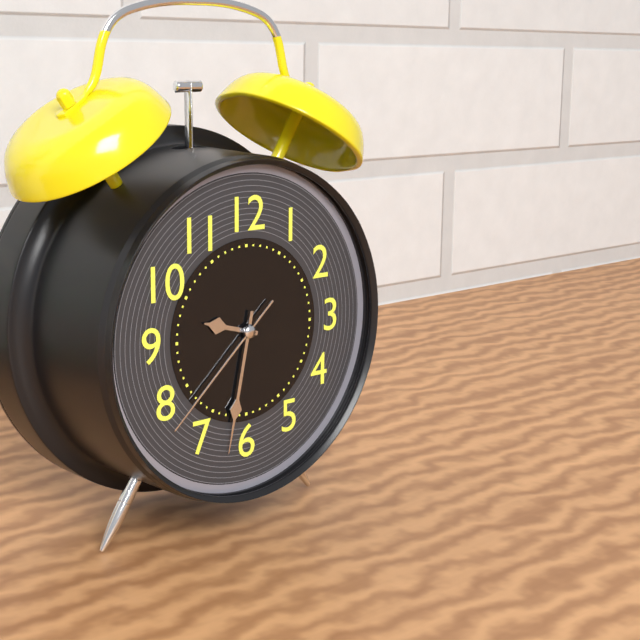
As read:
**9:32:38**
